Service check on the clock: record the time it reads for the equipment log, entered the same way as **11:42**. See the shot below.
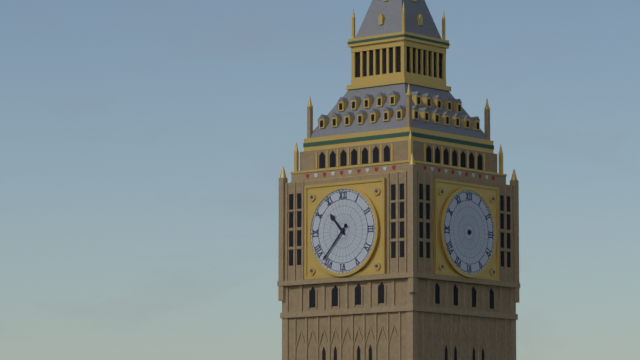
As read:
**10:37**
